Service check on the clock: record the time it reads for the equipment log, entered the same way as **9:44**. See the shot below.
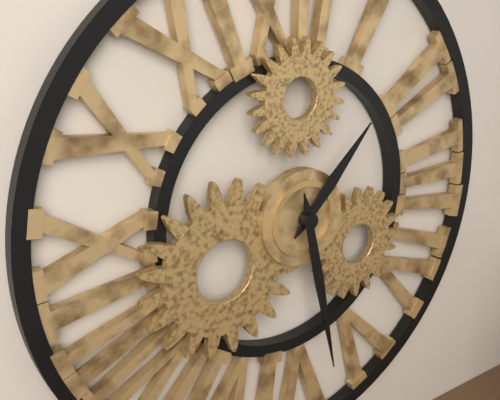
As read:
**1:28**
